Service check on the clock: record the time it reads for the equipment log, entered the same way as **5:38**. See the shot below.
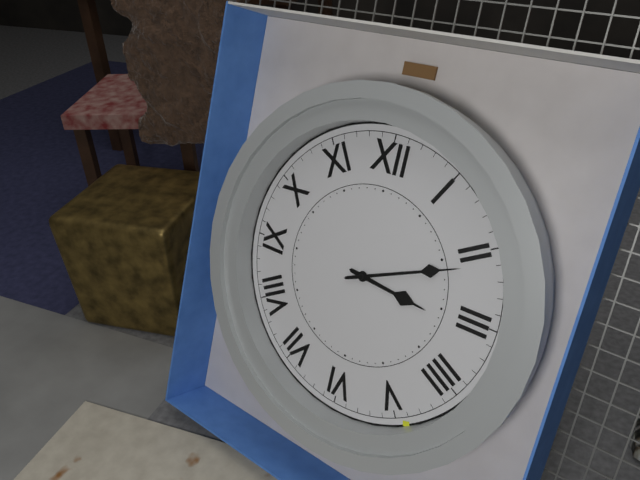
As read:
**3:11**
